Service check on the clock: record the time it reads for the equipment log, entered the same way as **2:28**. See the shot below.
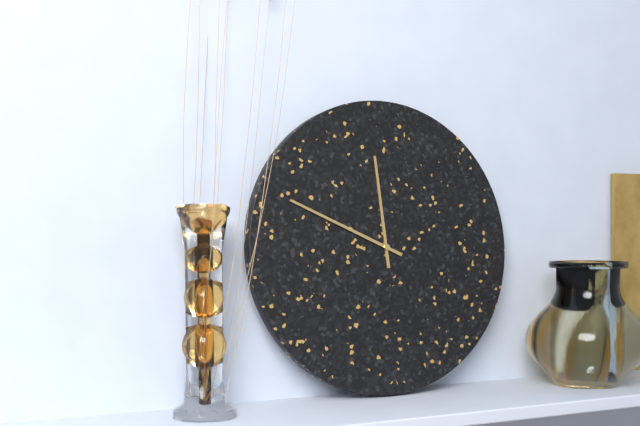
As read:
**11:49**
